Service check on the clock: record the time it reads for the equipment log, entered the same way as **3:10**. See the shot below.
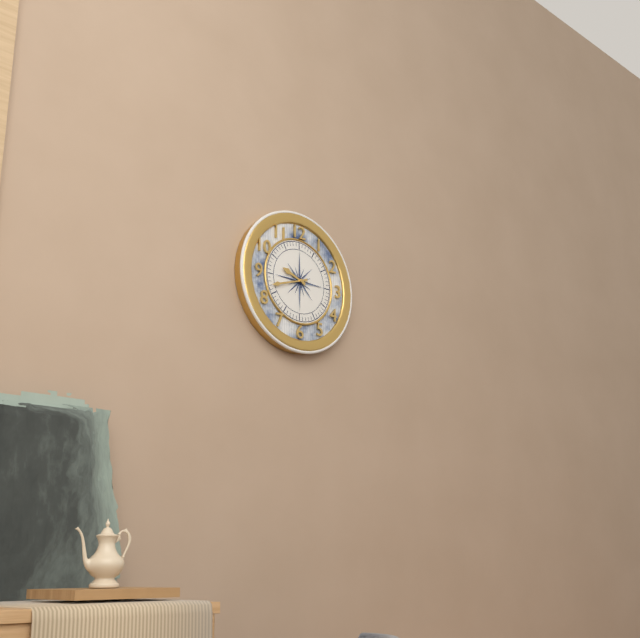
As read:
**9:42**
